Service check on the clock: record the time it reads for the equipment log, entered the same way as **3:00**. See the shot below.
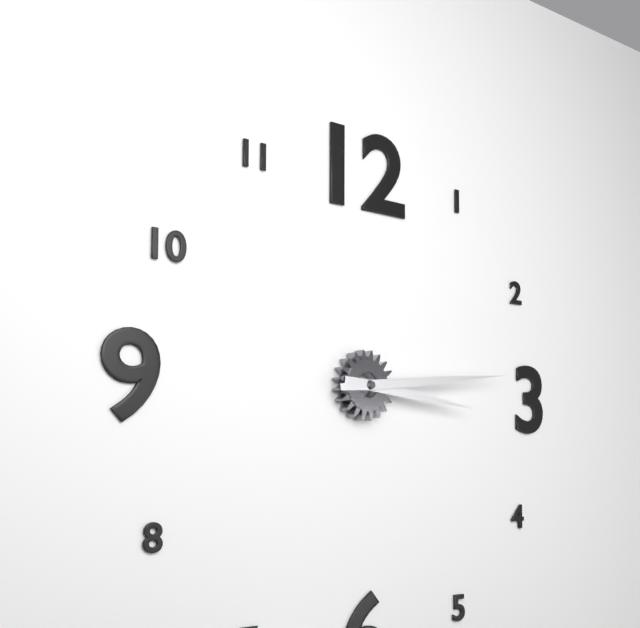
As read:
**3:14**
